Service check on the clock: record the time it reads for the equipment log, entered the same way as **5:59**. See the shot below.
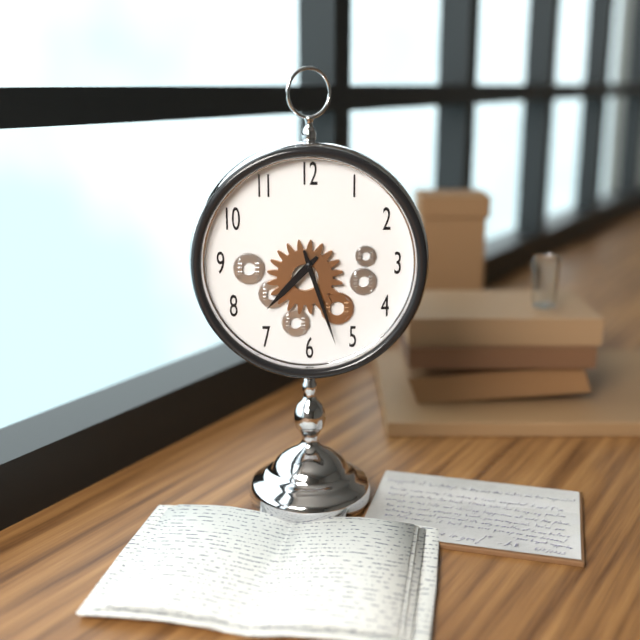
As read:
**7:27**
